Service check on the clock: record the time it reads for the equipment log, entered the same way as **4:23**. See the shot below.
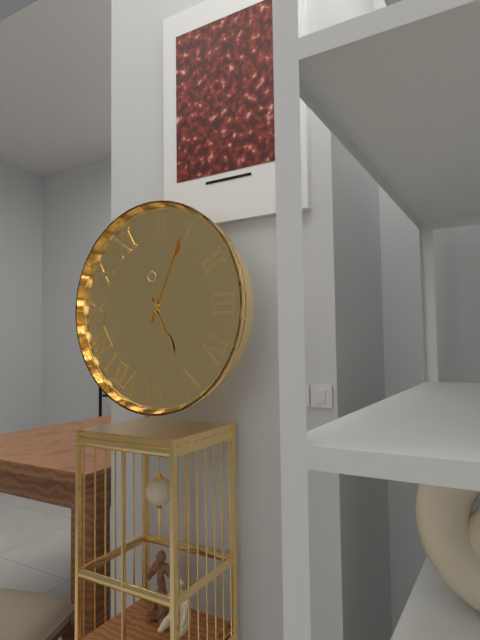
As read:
**5:04**
